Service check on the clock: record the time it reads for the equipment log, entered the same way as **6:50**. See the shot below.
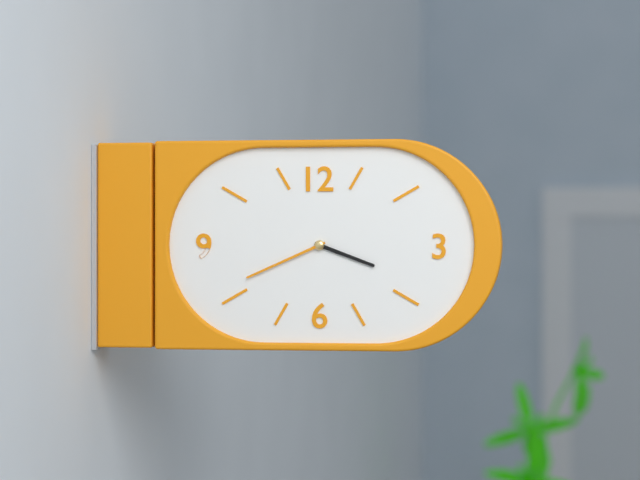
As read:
**3:41**
